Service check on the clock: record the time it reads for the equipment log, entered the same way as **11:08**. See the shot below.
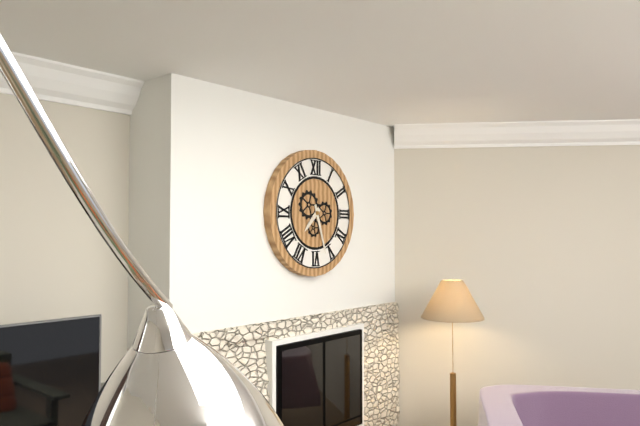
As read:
**7:27**
